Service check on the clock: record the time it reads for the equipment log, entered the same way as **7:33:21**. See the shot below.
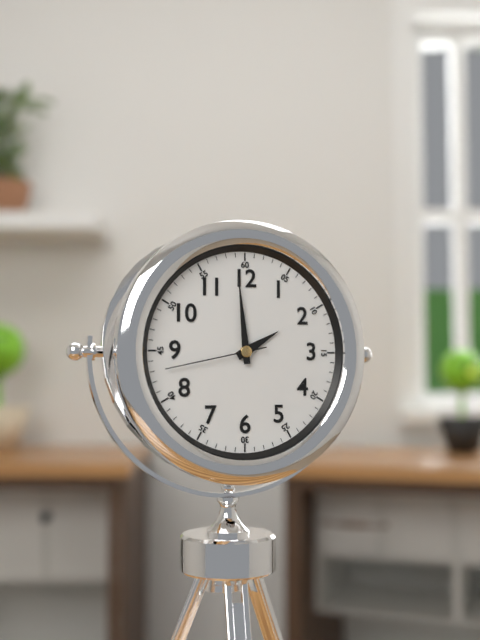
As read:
**1:59:43**
